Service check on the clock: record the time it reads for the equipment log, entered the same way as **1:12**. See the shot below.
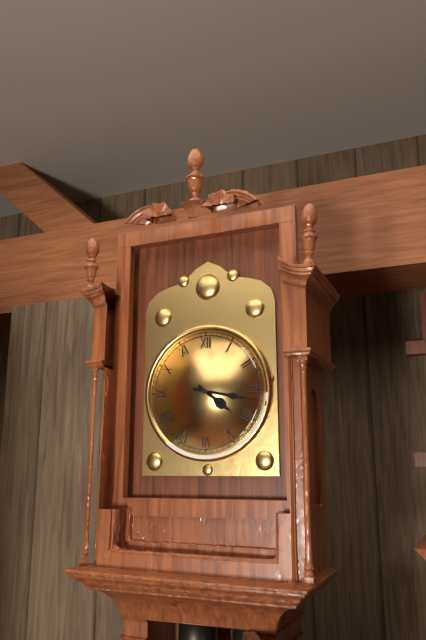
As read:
**4:17**
